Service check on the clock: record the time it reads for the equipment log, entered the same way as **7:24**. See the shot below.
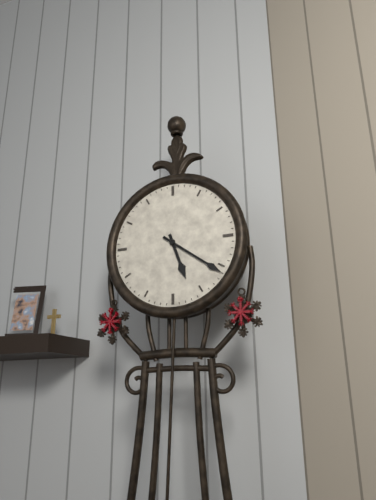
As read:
**5:21**
